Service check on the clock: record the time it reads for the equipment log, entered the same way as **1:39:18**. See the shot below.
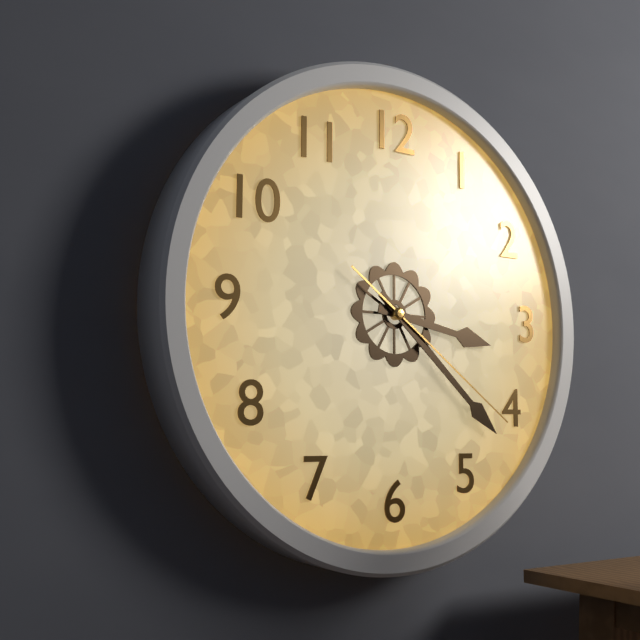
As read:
**3:22:21**
